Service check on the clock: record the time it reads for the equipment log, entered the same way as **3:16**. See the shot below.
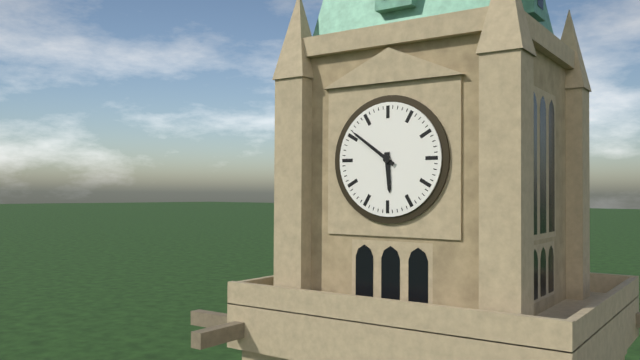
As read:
**5:51**
